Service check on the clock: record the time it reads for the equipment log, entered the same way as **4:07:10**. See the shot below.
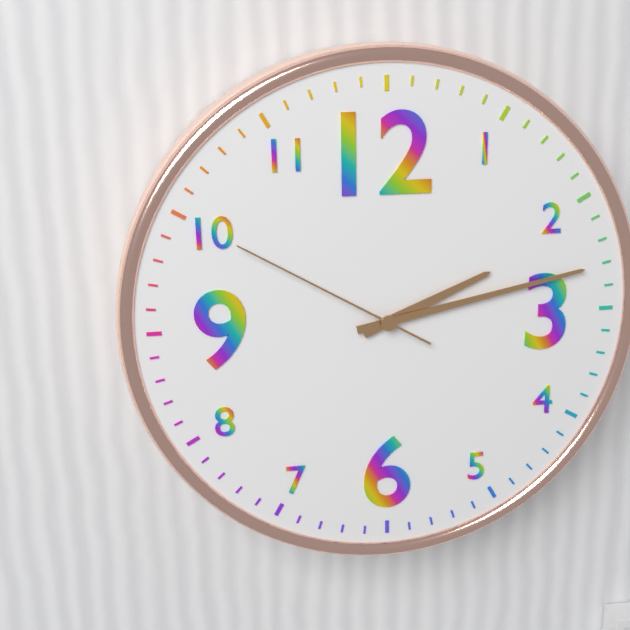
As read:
**2:13:50**
